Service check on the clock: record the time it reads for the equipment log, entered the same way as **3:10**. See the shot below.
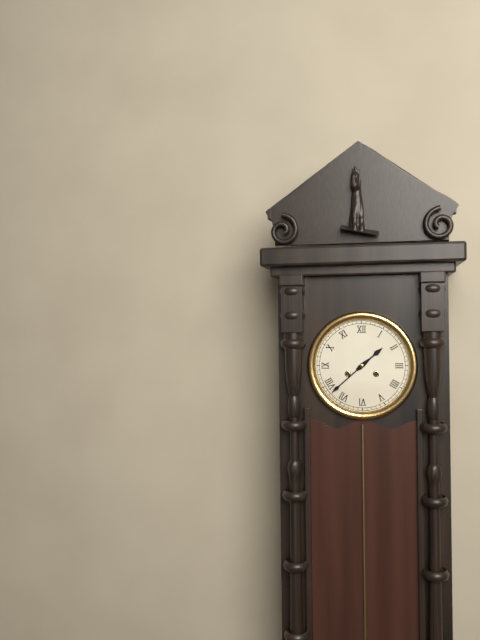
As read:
**1:38**
